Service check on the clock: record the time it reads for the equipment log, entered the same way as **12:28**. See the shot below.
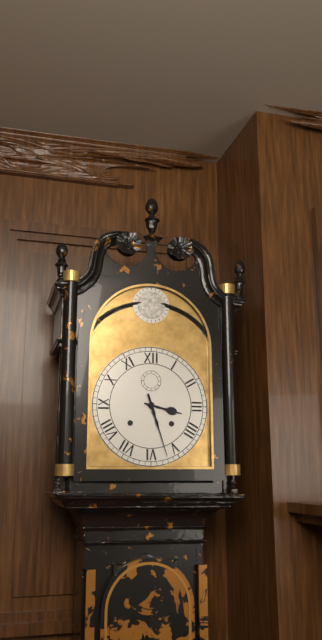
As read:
**3:27**
